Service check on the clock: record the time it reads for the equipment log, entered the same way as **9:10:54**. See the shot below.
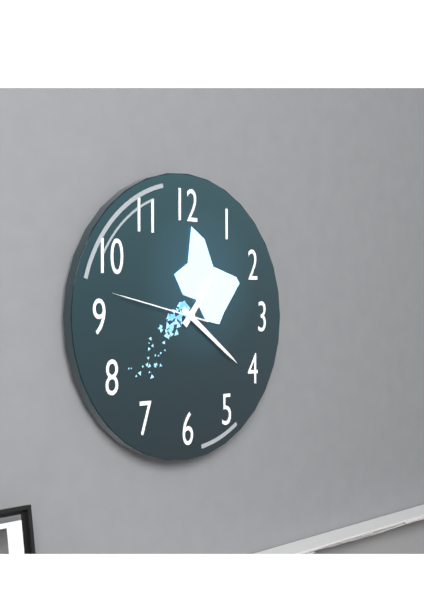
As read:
**1:21:47**
